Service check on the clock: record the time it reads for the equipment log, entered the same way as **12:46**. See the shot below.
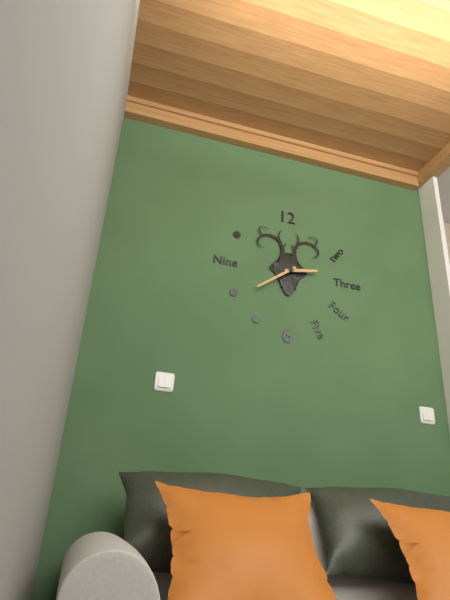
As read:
**2:39**
